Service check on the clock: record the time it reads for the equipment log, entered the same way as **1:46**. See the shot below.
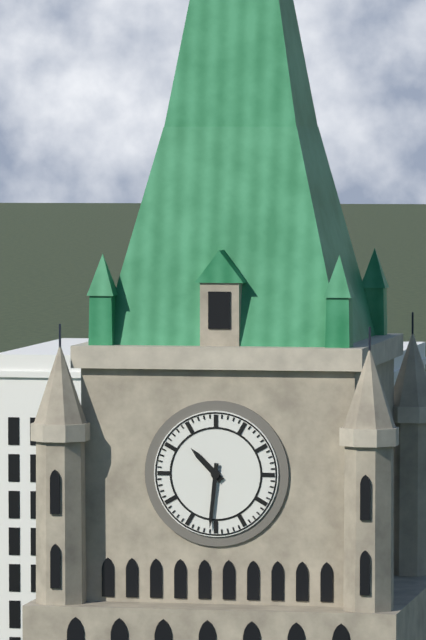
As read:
**10:31**
